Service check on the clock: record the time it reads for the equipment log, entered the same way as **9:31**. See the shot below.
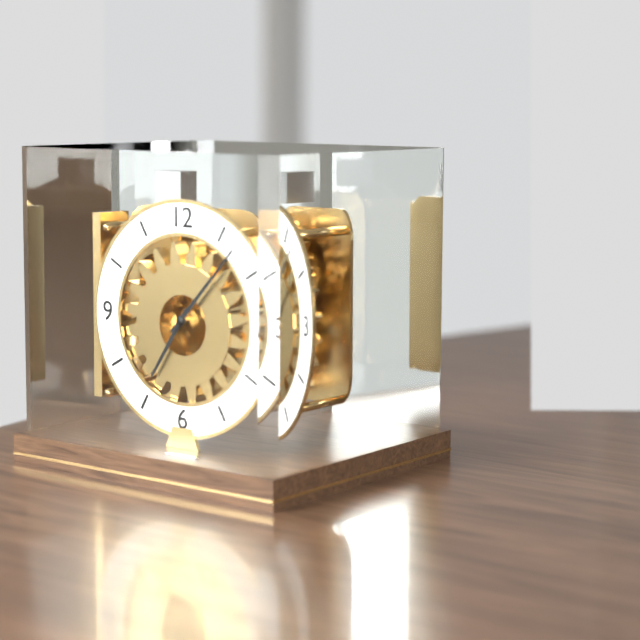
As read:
**7:07**
